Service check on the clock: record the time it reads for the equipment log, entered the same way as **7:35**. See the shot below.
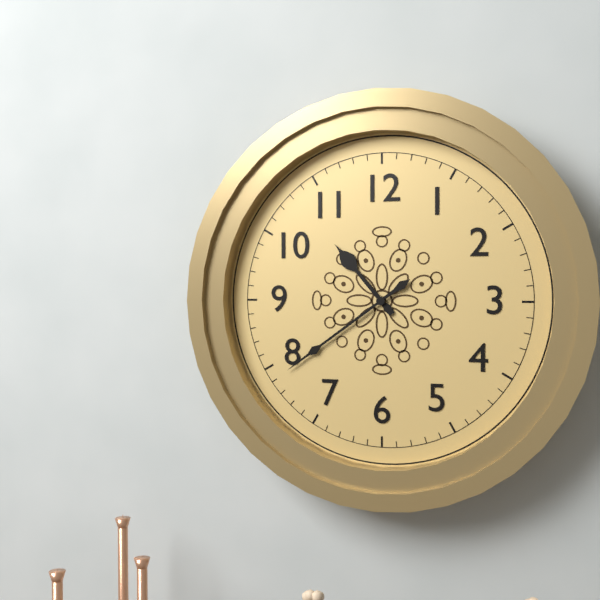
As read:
**10:39**
